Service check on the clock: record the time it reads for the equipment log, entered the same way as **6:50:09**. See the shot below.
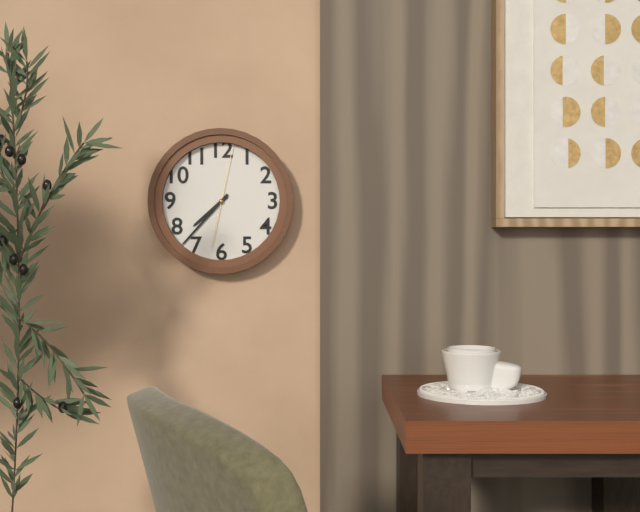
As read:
**7:37:02**
